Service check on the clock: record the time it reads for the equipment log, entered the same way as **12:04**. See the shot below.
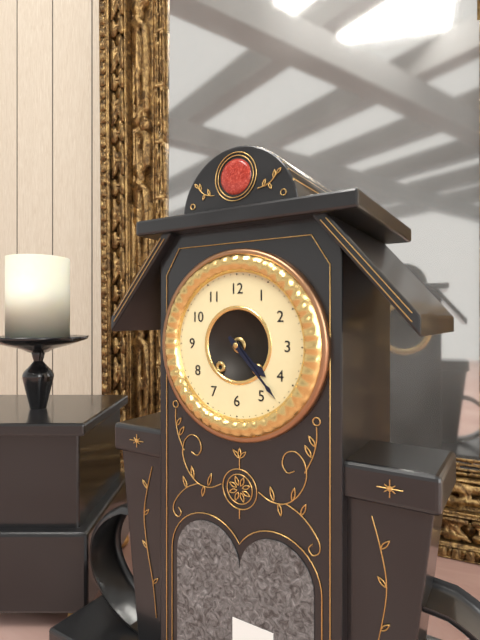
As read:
**4:23**
